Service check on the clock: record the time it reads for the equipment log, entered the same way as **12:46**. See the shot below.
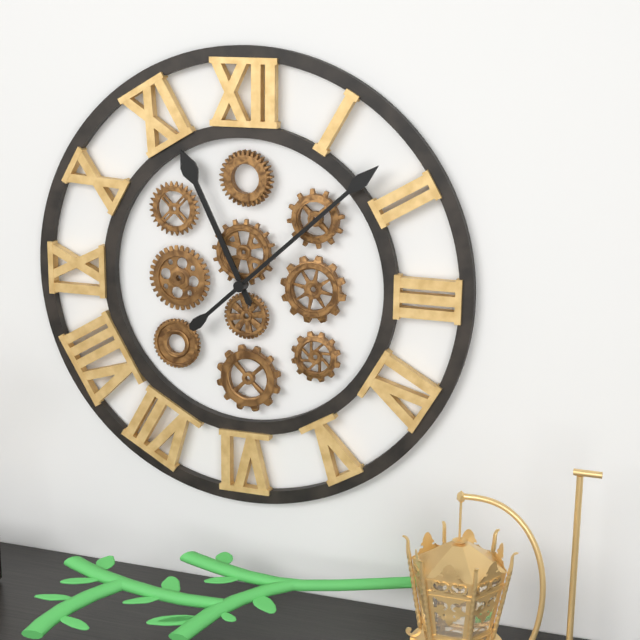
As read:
**11:08**
